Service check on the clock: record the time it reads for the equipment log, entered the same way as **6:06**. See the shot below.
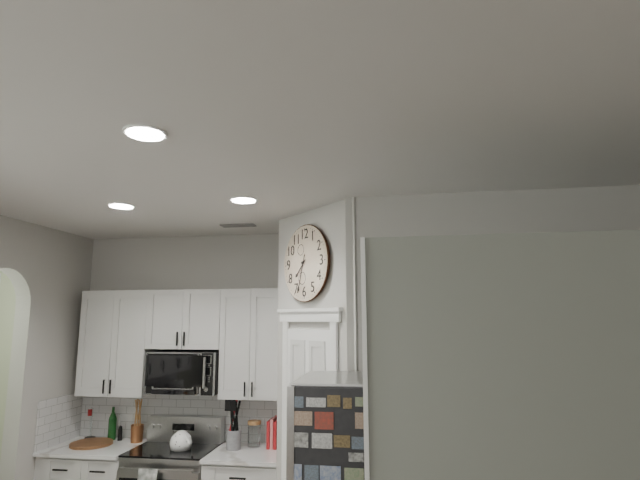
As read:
**7:33**
